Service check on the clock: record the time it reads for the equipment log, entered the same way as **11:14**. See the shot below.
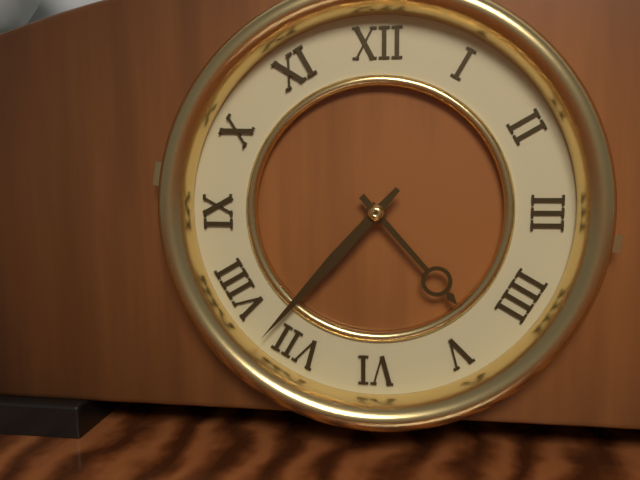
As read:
**4:37**
